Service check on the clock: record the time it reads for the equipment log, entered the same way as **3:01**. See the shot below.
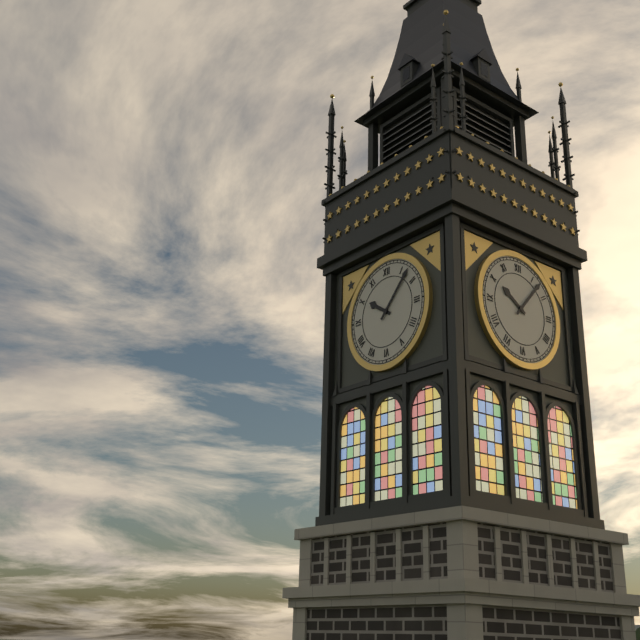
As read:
**10:07**
